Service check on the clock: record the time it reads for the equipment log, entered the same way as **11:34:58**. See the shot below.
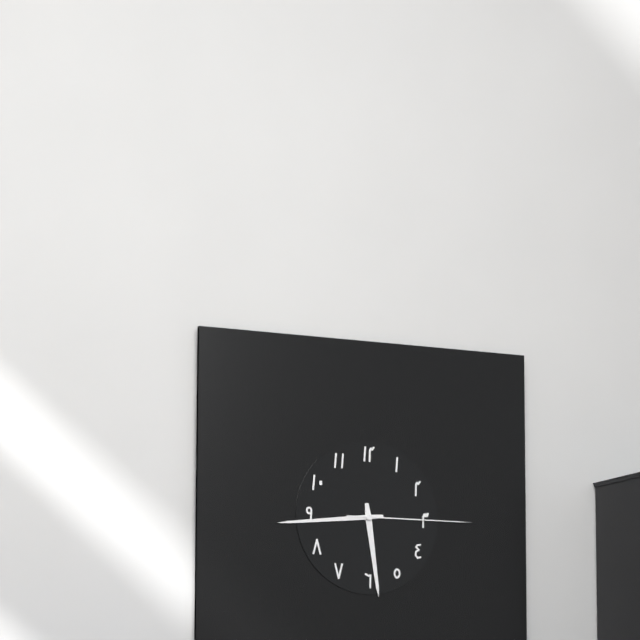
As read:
**5:44:15**
